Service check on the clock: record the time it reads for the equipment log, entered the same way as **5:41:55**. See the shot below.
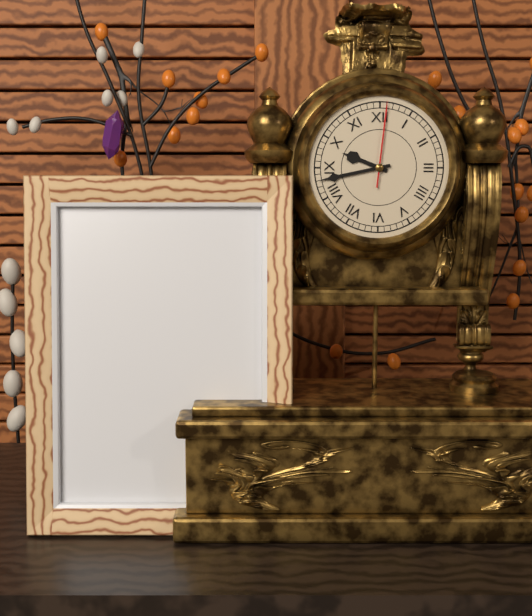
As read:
**9:43:01**
